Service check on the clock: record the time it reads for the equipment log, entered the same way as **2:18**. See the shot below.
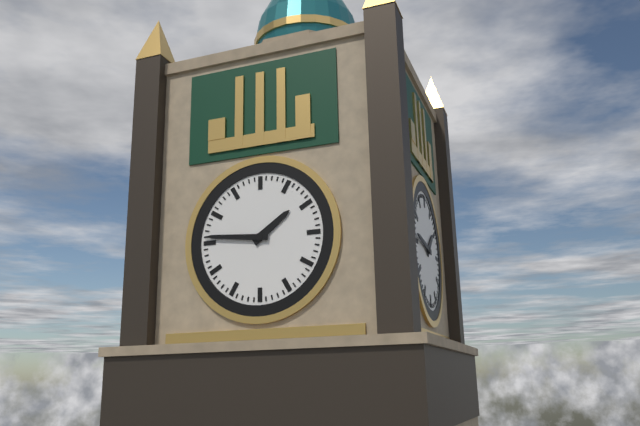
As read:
**1:46**
